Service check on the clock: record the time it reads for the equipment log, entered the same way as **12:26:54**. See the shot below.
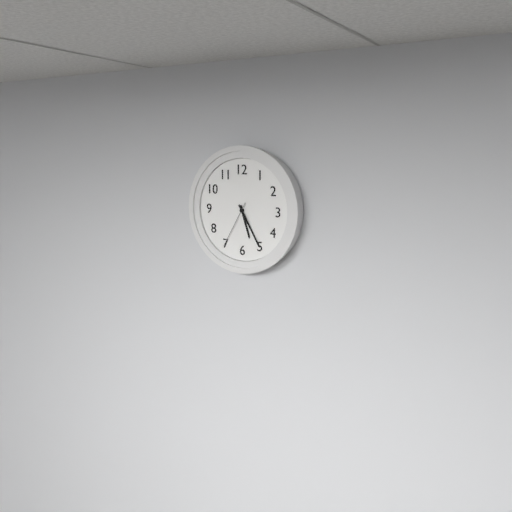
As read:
**5:25:35**
